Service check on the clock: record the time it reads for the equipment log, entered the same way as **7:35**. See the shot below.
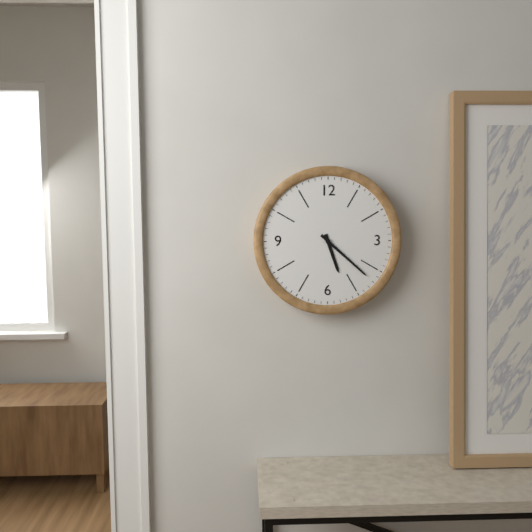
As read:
**5:22**
